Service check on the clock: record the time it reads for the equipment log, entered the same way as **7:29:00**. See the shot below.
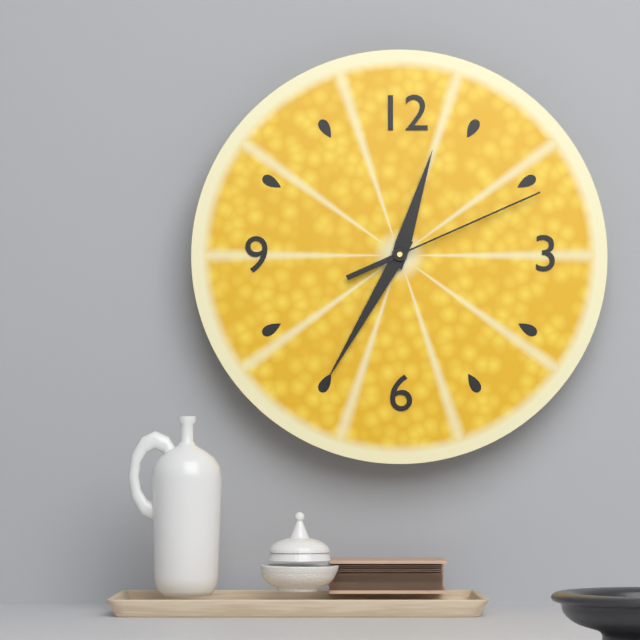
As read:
**12:35:11**
